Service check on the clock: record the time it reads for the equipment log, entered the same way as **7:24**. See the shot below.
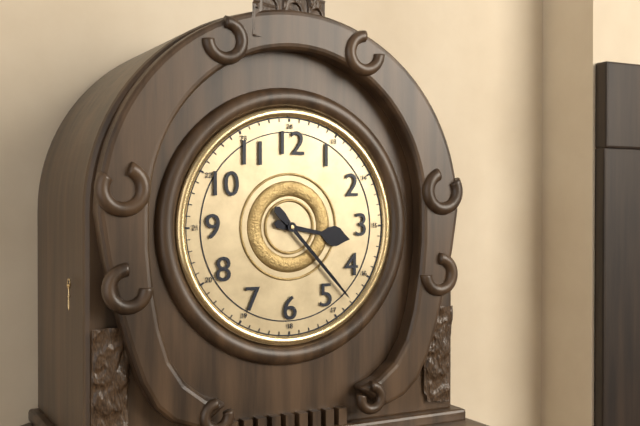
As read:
**3:23**
